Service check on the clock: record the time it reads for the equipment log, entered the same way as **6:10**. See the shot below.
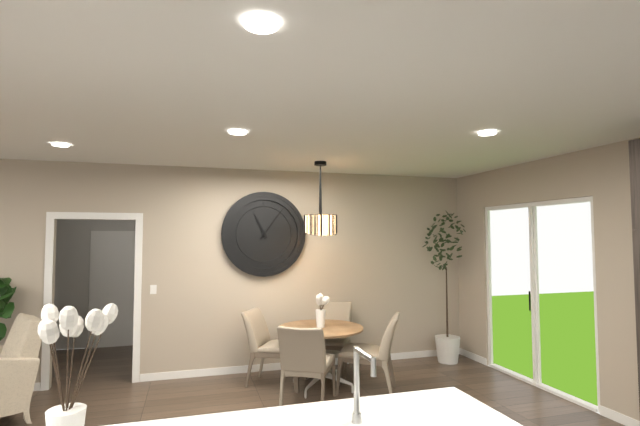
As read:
**11:06**
